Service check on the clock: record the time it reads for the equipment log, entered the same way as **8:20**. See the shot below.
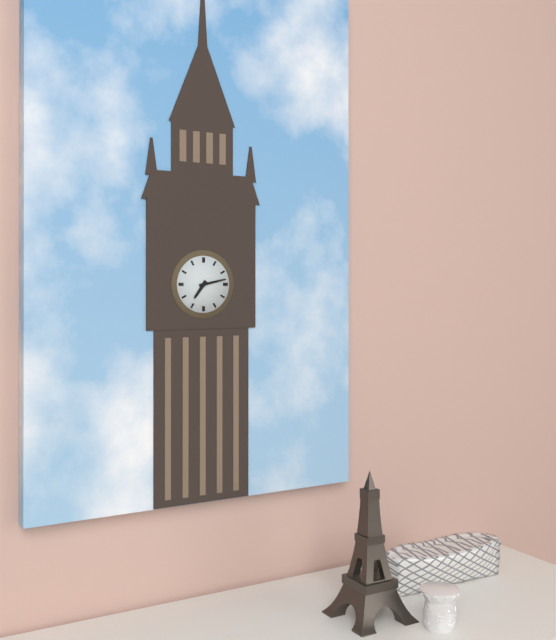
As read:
**7:13**
